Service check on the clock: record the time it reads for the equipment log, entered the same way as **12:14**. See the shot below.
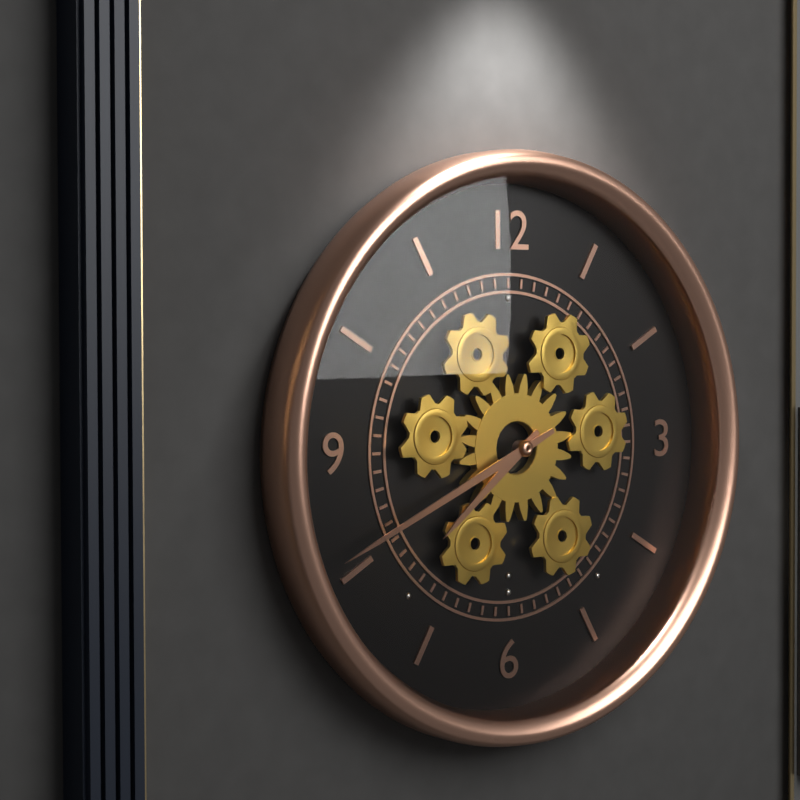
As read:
**7:41**
